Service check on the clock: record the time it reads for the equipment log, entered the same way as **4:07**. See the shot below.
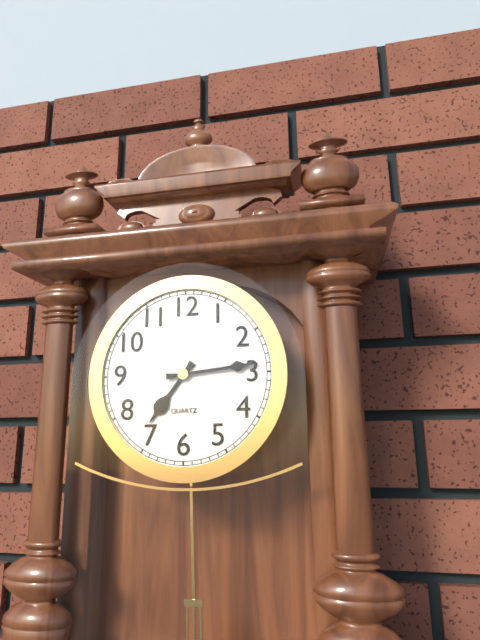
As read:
**7:14**
